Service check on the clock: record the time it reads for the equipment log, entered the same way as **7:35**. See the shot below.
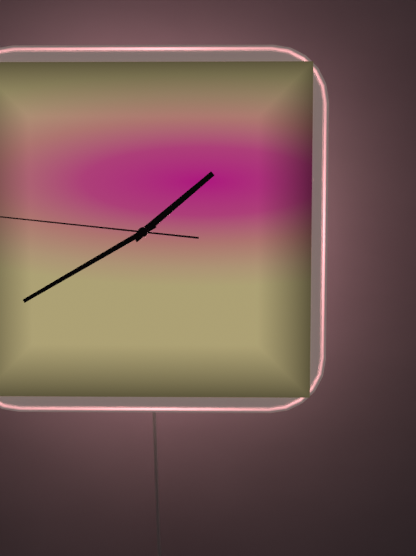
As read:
**1:40**
